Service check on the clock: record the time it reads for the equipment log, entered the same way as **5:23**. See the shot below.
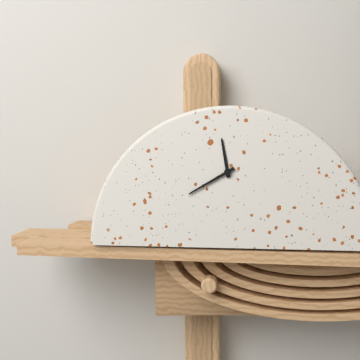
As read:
**11:40**
